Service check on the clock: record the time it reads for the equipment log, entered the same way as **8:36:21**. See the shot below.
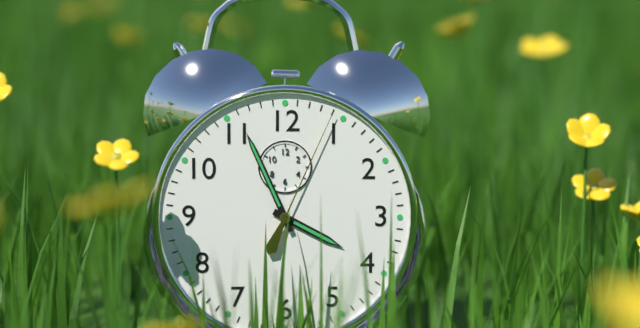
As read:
**3:56:04**
